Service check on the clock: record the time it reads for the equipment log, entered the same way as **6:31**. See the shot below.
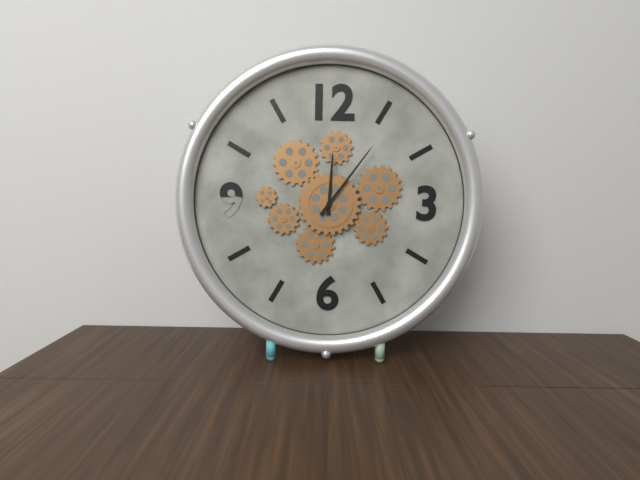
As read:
**12:06**
